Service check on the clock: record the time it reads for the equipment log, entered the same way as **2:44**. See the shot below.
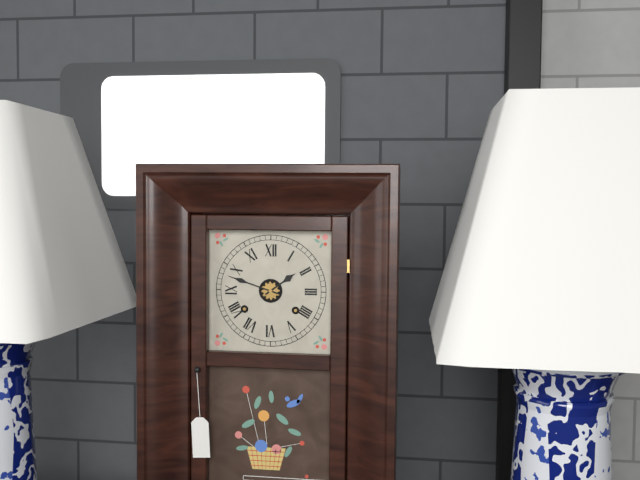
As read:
**1:48**
